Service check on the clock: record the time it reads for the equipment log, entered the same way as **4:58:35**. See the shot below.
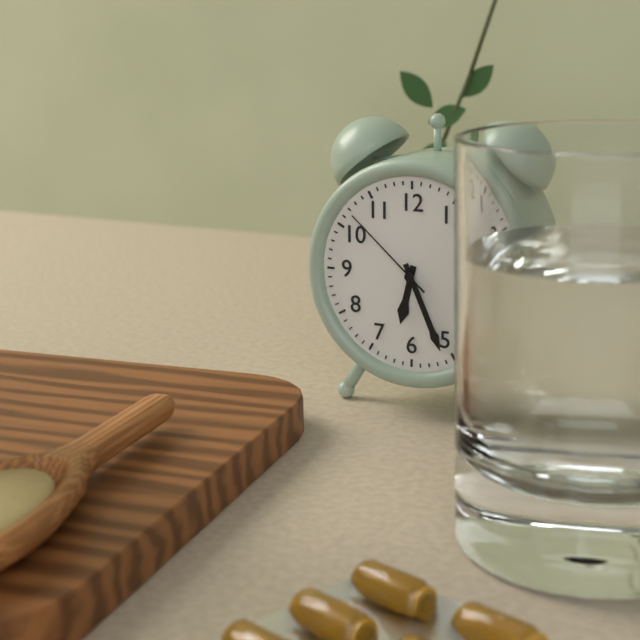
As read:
**6:26:52**
